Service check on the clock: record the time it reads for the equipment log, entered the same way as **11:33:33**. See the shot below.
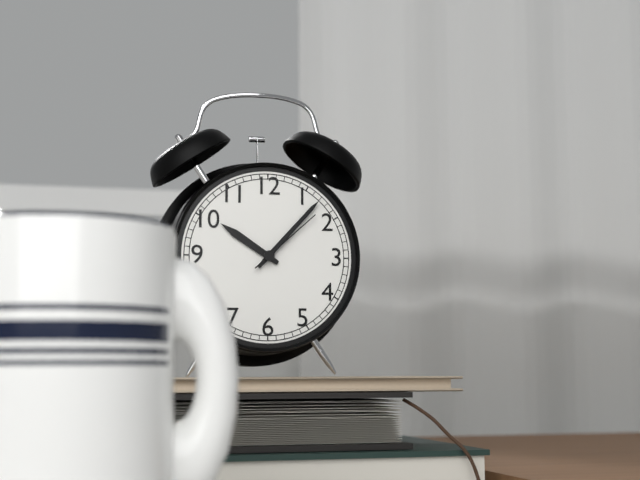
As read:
**10:07:08**
